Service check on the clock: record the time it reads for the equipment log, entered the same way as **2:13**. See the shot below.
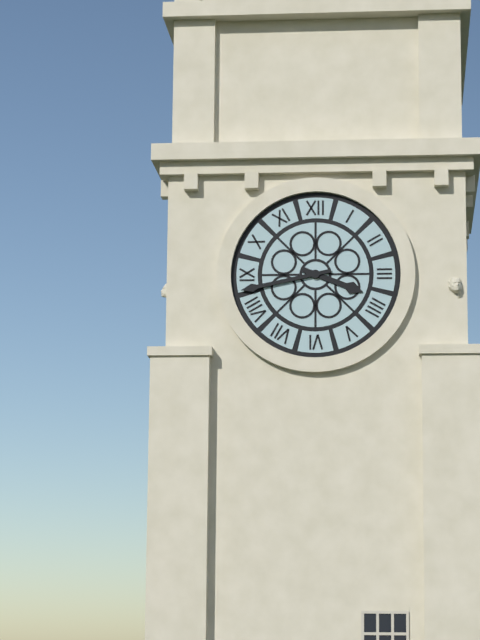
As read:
**3:43**
